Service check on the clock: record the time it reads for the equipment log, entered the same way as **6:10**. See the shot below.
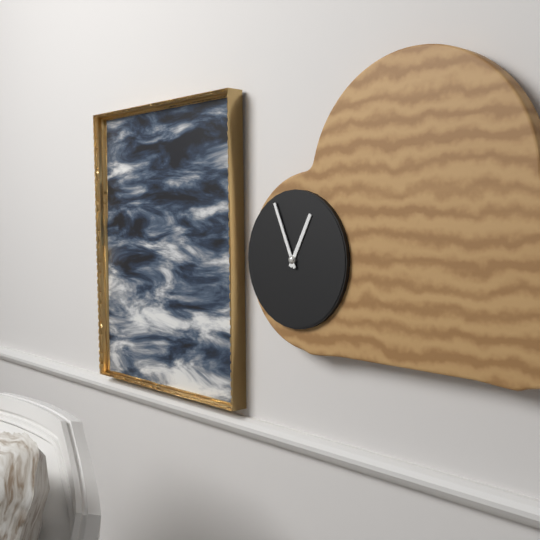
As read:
**12:56**
